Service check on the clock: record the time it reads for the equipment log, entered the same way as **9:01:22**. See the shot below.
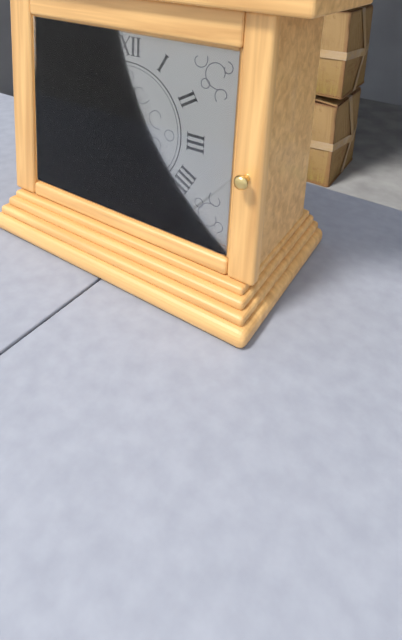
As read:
**12:22:45**
